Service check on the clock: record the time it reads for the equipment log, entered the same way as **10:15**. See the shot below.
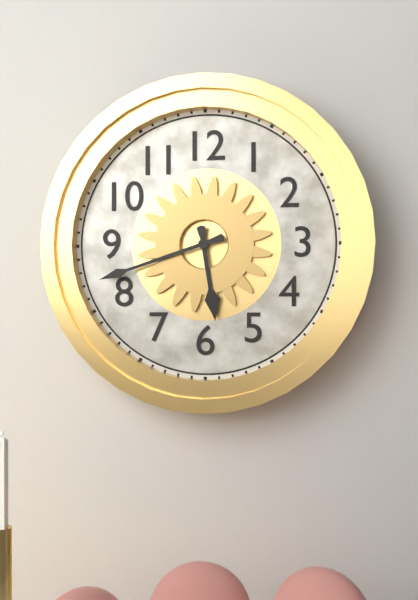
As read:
**5:42**
